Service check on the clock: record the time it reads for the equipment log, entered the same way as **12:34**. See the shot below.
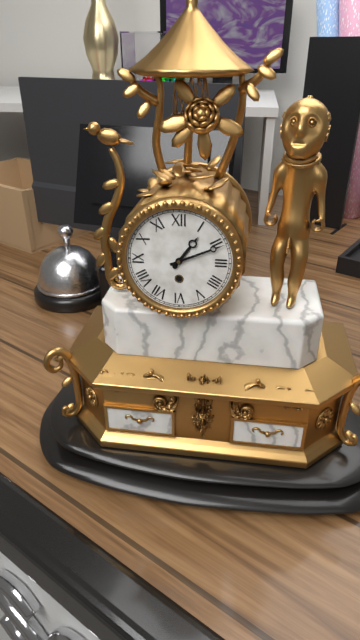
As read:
**1:11**
